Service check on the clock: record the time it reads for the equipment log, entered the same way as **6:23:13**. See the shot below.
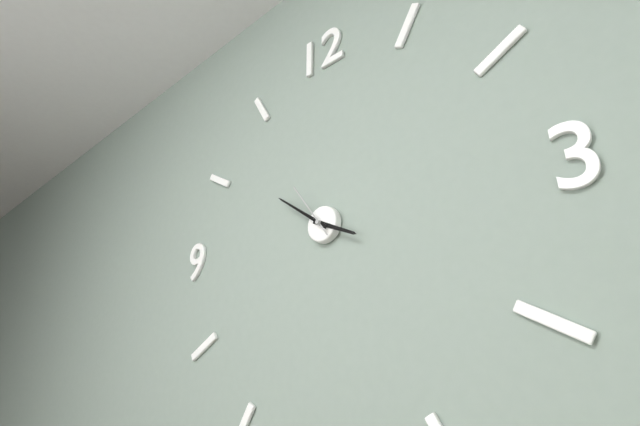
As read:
**3:51:54**
